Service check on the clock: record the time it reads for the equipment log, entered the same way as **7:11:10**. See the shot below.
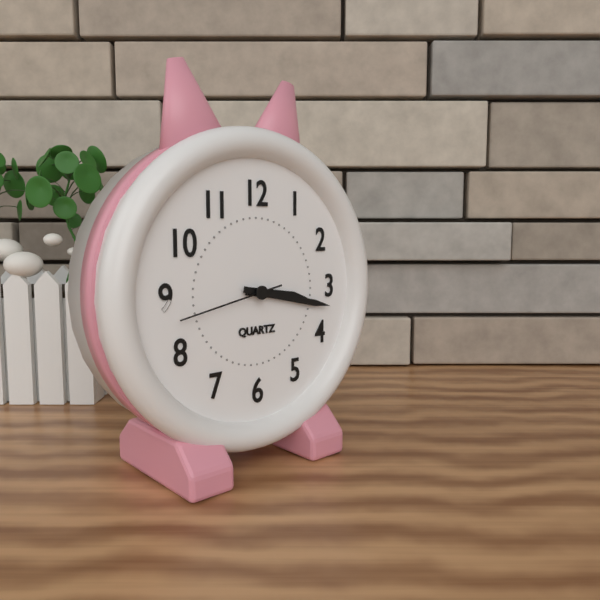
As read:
**3:17:43**
